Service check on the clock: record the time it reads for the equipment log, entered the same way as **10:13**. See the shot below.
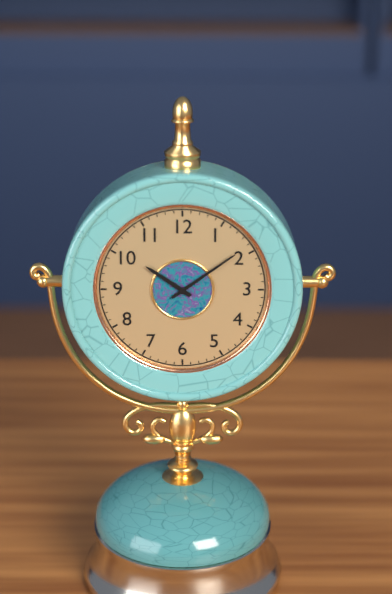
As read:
**10:09**
